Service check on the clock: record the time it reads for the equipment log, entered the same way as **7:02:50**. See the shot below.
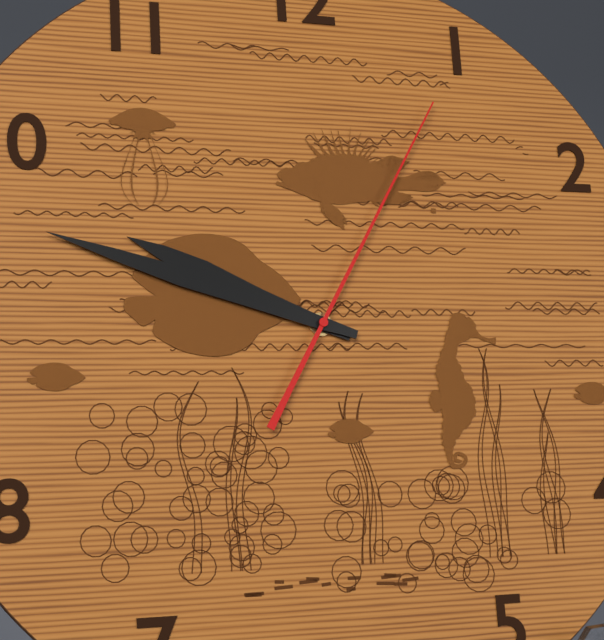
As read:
**9:48:05**
